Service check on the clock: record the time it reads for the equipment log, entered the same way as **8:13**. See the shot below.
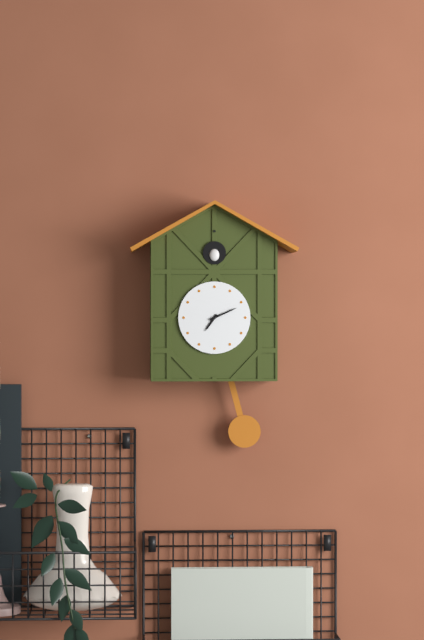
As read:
**7:11**
